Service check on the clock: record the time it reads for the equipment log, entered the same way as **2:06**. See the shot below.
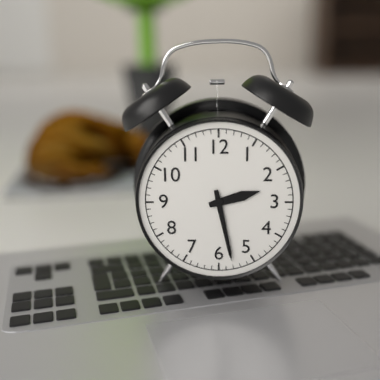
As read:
**2:28**
